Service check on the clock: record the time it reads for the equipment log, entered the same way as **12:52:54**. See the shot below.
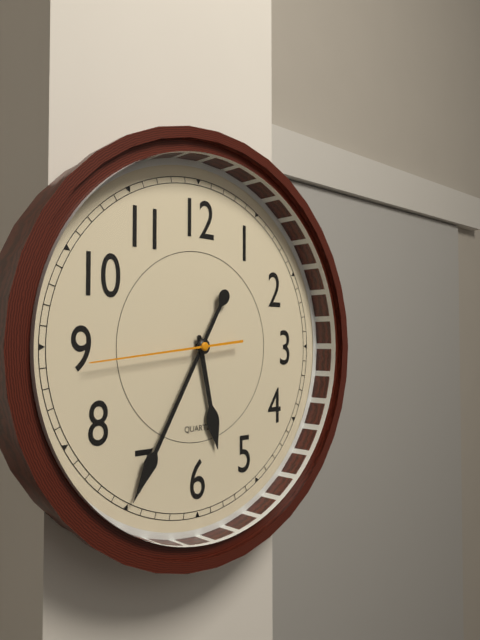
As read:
**5:35:44**
